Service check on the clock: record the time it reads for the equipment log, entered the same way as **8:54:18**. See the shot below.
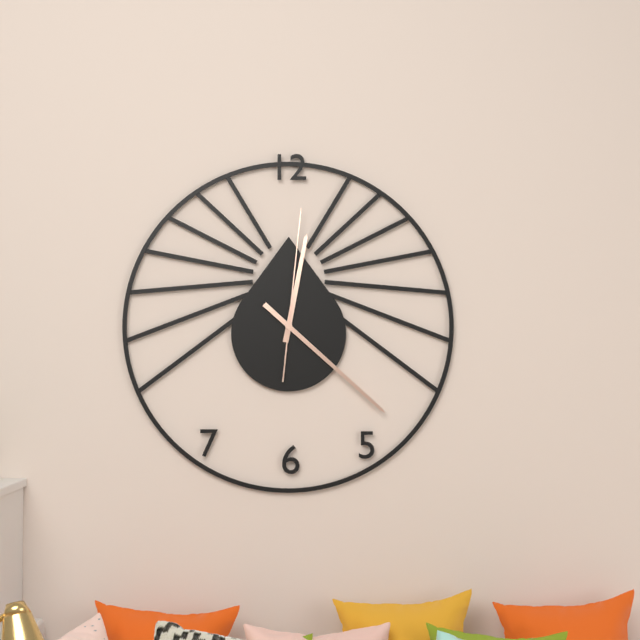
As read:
**12:22:01**
